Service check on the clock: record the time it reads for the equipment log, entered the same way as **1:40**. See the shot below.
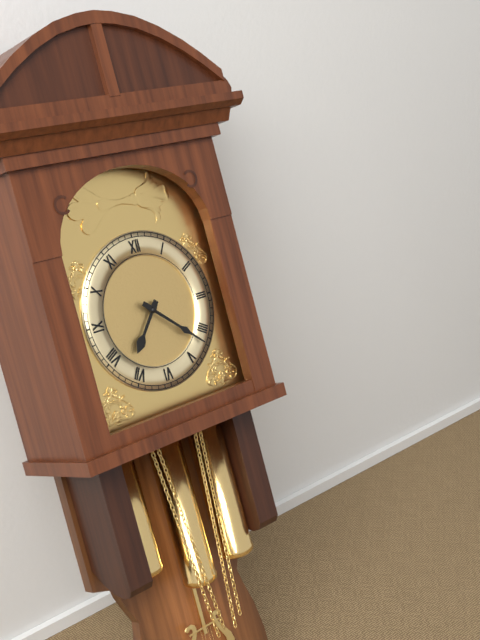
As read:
**7:22**
